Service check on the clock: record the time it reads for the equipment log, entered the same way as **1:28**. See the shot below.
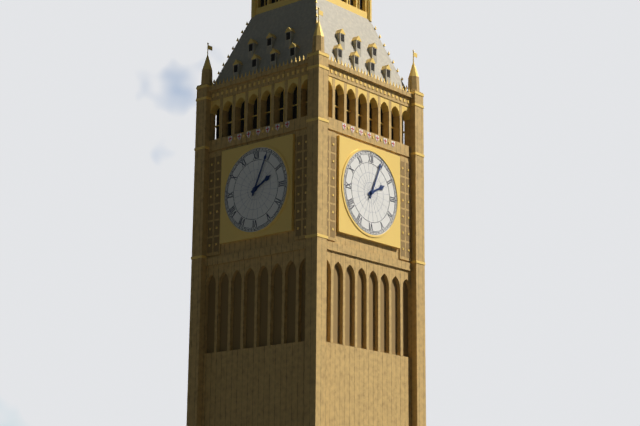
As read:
**2:04**
